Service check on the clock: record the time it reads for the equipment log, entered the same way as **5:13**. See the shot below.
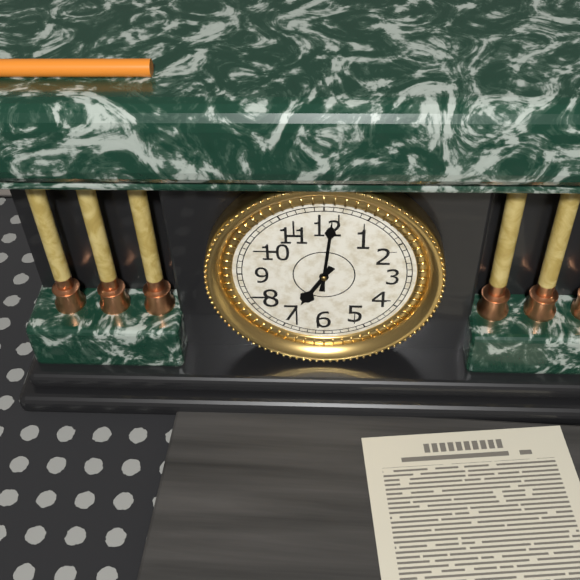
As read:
**7:01**
